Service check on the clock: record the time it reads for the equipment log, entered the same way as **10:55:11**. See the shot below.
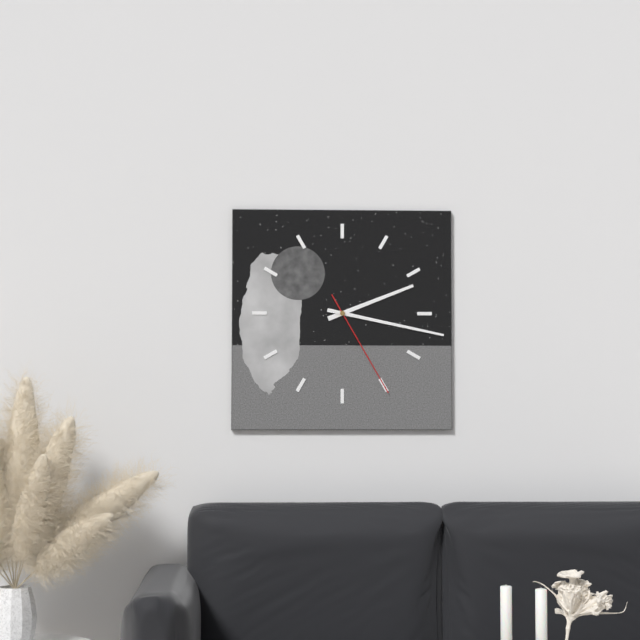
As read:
**2:17:25**
